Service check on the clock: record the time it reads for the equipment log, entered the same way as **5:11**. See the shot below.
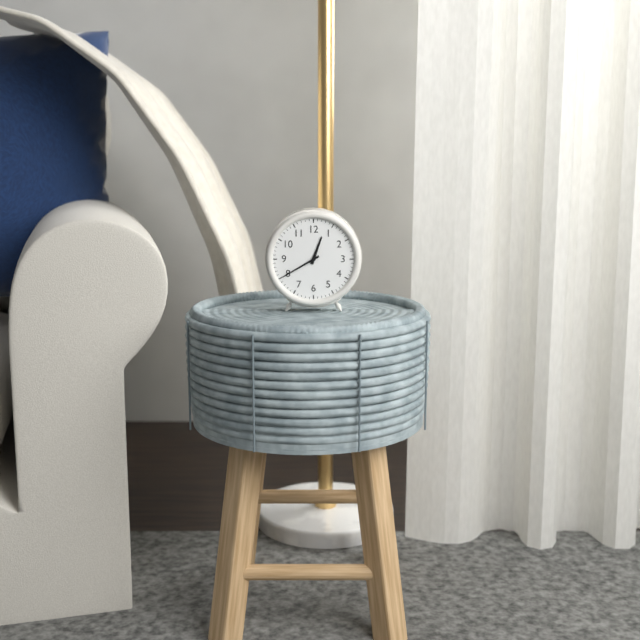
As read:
**12:40**
